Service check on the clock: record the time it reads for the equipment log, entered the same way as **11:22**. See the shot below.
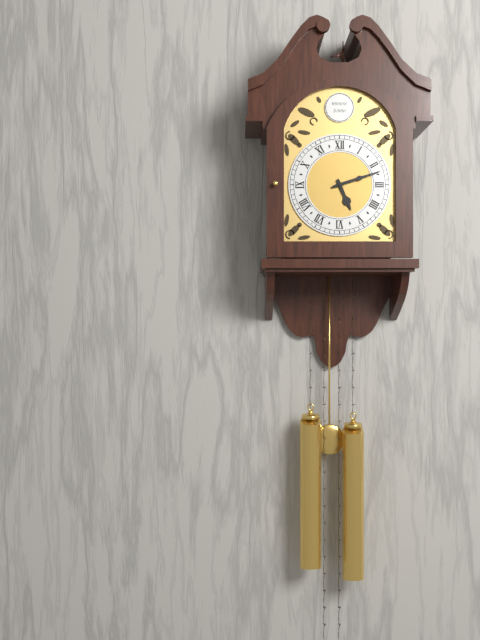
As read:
**5:12**
